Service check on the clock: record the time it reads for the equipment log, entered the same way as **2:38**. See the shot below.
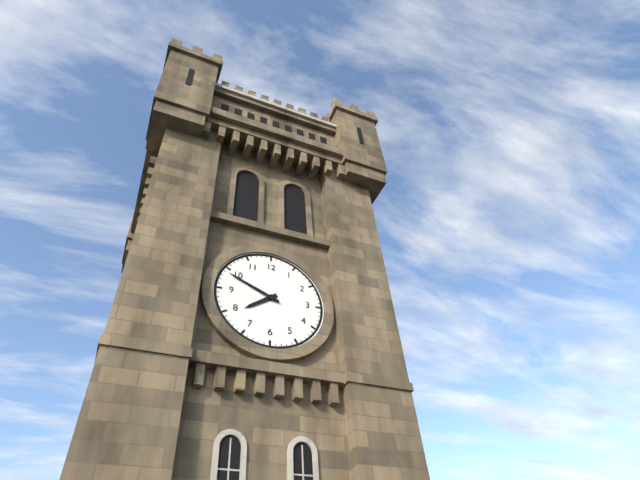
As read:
**7:49**
